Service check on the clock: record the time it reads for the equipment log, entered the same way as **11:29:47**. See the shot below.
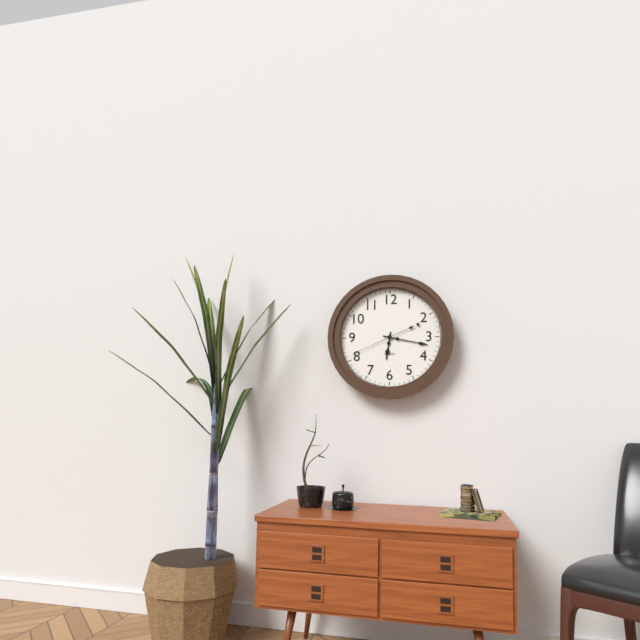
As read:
**6:17:41**
